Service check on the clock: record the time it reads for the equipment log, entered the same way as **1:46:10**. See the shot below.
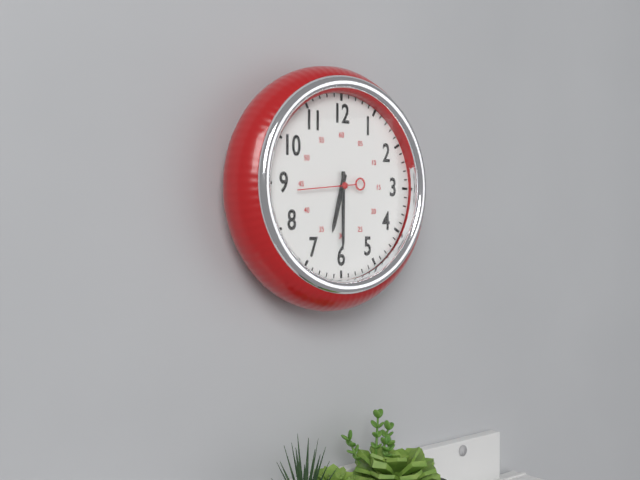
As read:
**6:30:44**
